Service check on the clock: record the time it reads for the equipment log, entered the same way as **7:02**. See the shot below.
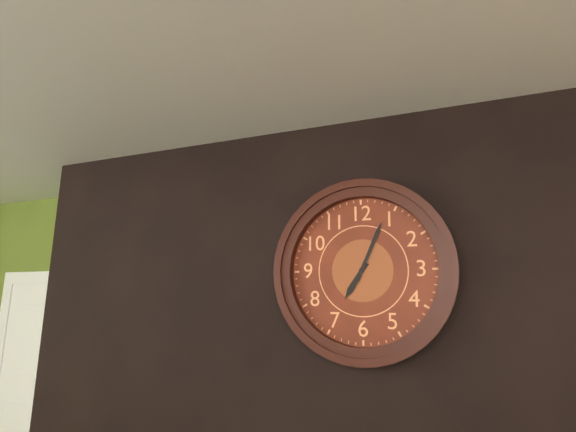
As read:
**7:04**
